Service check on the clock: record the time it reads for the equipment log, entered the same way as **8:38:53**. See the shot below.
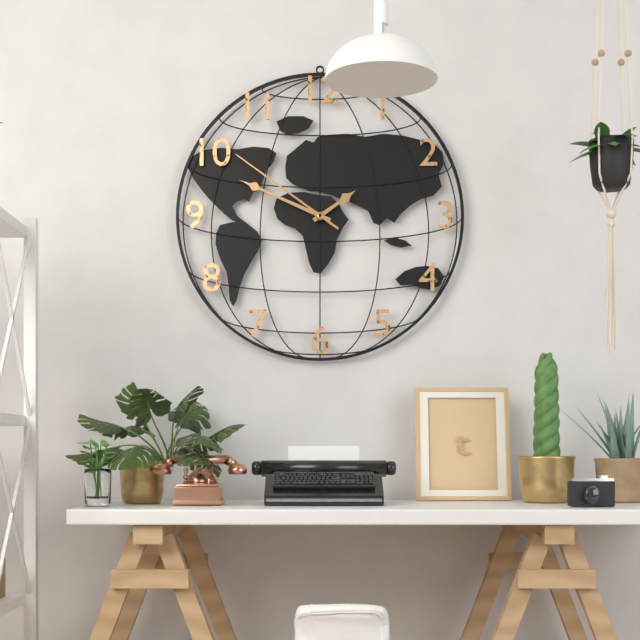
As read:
**1:49:51**
